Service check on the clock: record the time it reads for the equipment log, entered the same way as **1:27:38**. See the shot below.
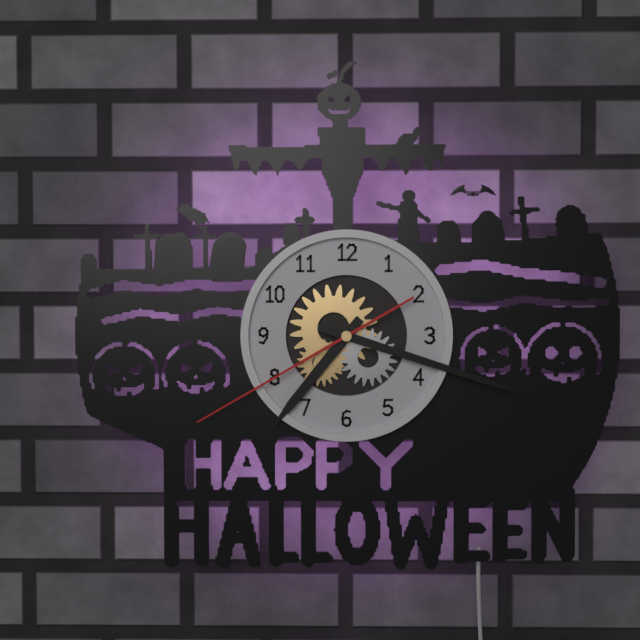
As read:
**7:18:40**
